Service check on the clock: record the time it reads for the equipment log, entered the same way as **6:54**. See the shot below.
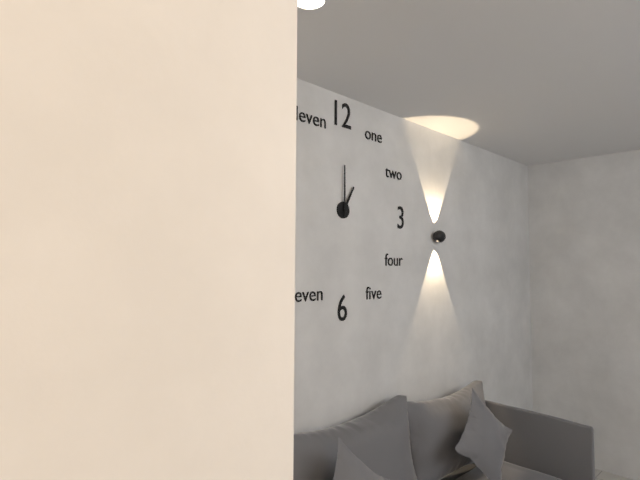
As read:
**1:00**
